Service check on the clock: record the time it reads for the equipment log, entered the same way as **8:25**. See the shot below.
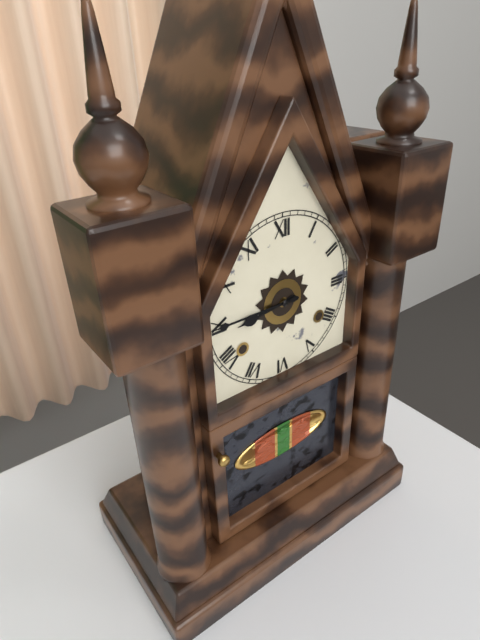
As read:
**8:45**
